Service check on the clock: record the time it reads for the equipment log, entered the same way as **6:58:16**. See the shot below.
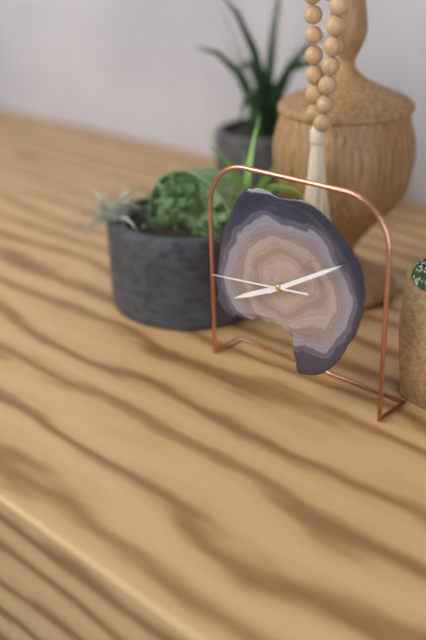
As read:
**8:10:44**
